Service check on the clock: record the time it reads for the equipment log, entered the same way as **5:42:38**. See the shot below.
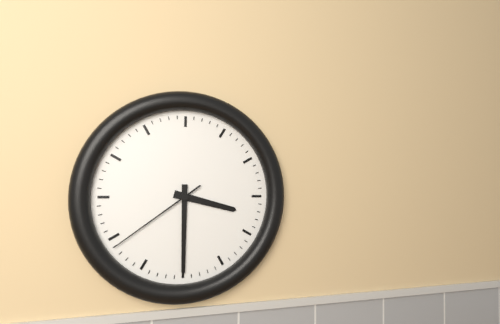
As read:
**3:30:39**
